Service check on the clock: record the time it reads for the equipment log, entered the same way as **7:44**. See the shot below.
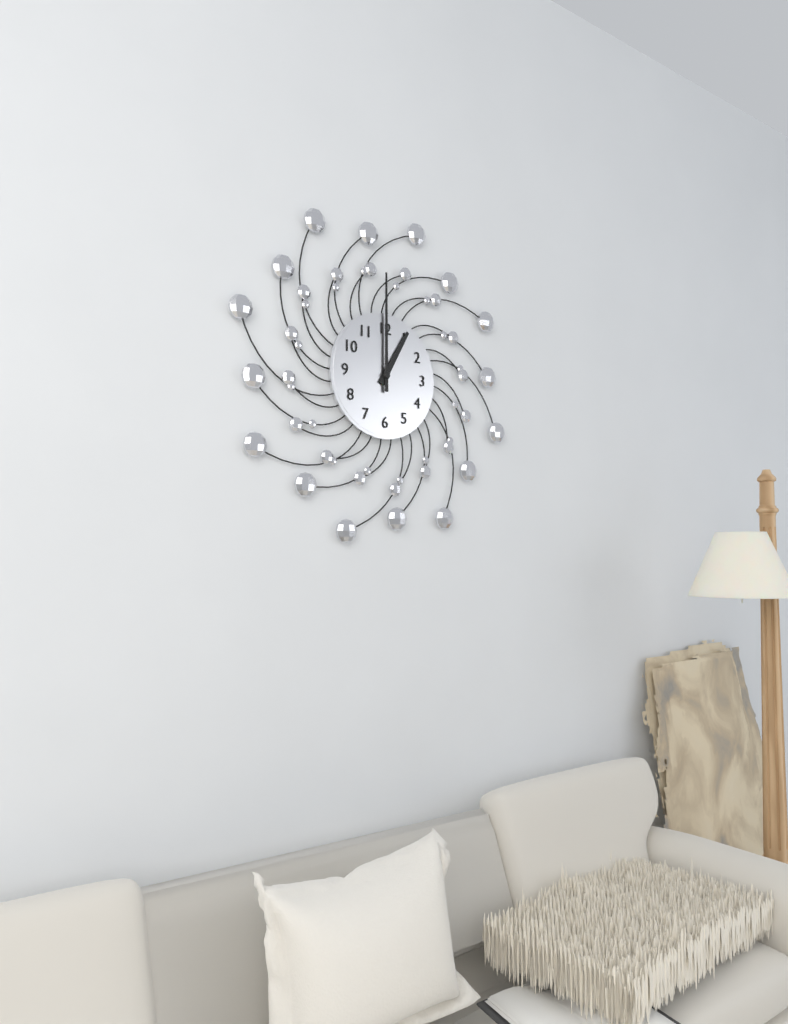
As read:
**1:00**
